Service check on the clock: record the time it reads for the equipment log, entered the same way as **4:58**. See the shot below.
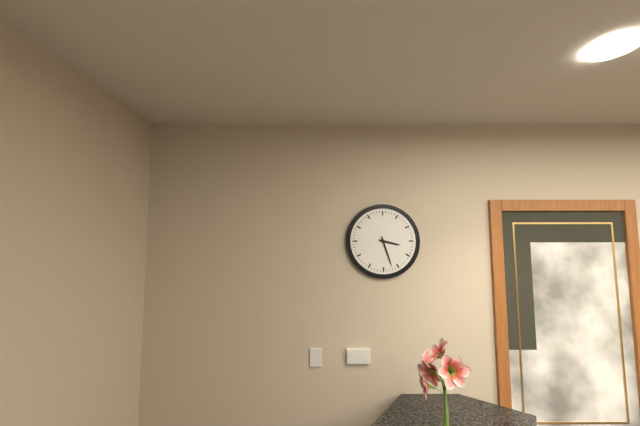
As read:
**3:27**
